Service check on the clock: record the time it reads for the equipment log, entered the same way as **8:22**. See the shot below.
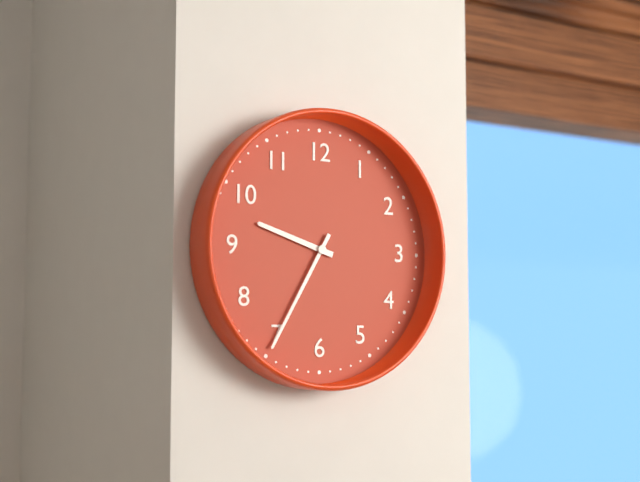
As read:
**9:35**
